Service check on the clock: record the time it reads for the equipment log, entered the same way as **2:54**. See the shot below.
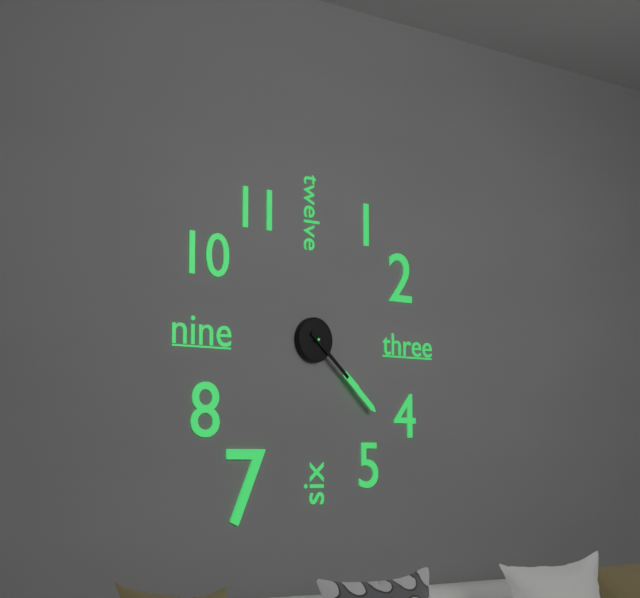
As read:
**4:22**
